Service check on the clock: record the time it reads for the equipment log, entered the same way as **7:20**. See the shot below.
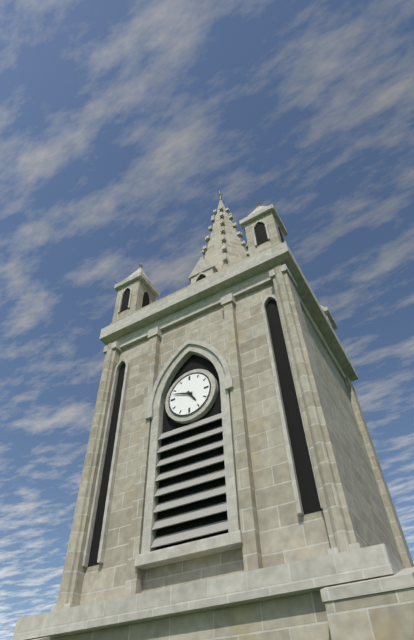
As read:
**4:48**
